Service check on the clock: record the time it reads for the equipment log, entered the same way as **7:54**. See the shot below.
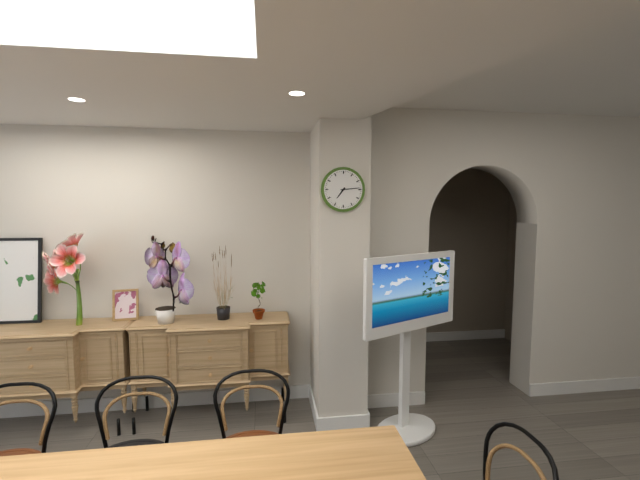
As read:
**7:14**
